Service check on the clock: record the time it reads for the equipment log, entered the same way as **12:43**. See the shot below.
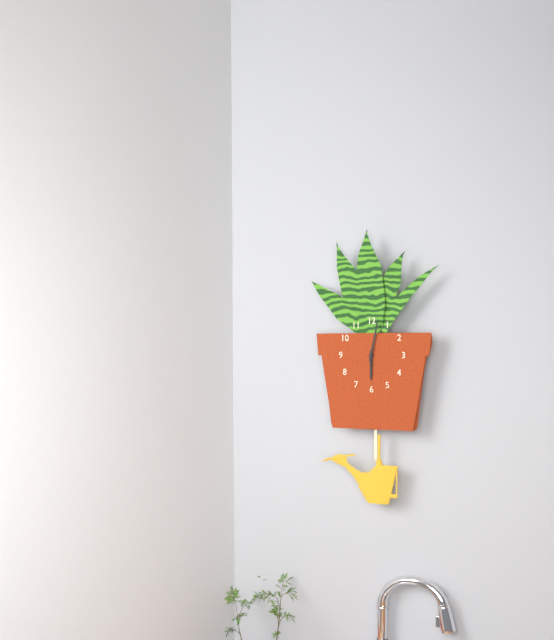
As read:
**6:02**
